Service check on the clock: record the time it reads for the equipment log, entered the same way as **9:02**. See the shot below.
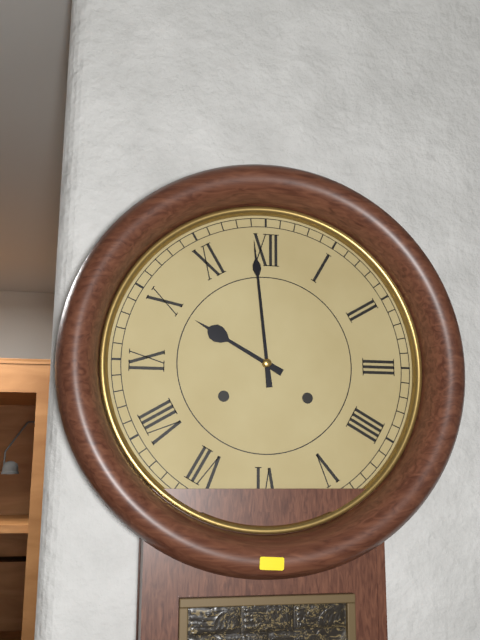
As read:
**9:59**
